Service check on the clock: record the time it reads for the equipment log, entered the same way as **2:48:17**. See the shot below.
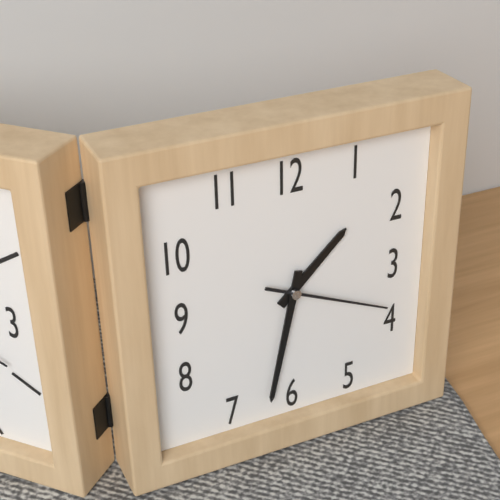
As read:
**1:32:19**
